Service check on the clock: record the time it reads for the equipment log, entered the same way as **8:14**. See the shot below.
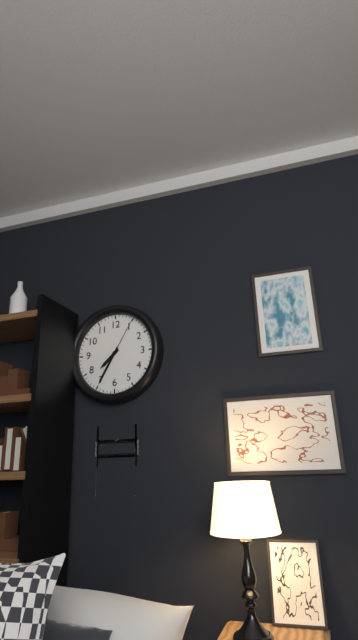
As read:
**7:35**
